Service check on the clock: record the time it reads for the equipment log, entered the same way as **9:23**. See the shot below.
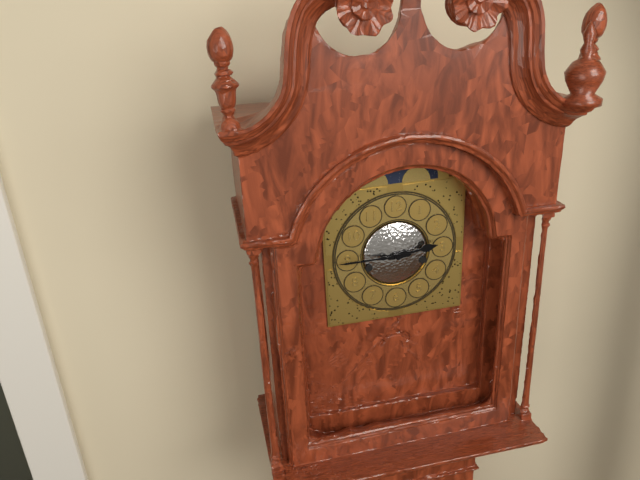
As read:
**2:45**
